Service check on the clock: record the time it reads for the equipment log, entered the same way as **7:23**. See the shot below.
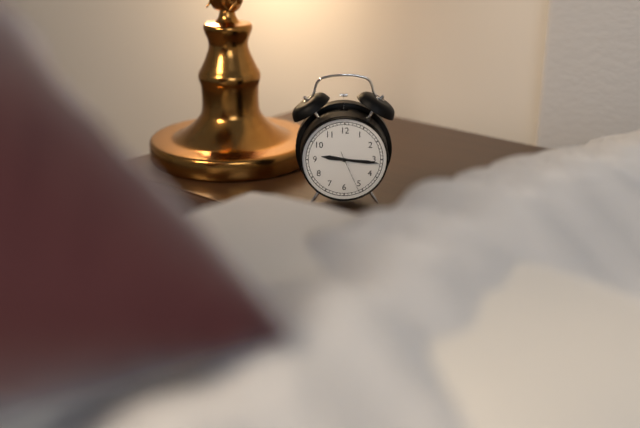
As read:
**9:16**
